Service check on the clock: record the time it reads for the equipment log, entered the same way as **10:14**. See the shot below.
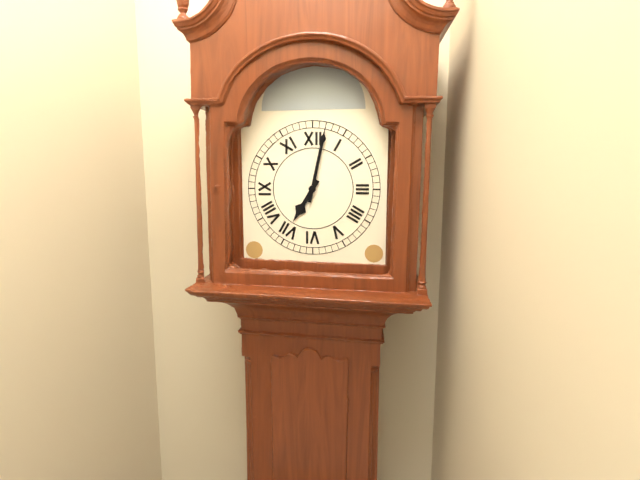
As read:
**7:02**
